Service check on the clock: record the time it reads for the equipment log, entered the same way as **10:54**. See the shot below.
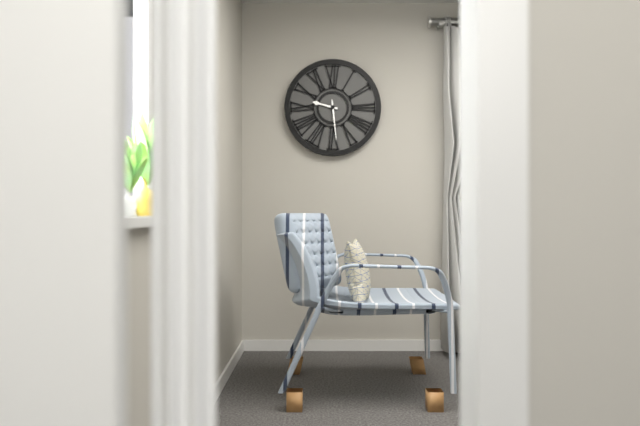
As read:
**9:29**
